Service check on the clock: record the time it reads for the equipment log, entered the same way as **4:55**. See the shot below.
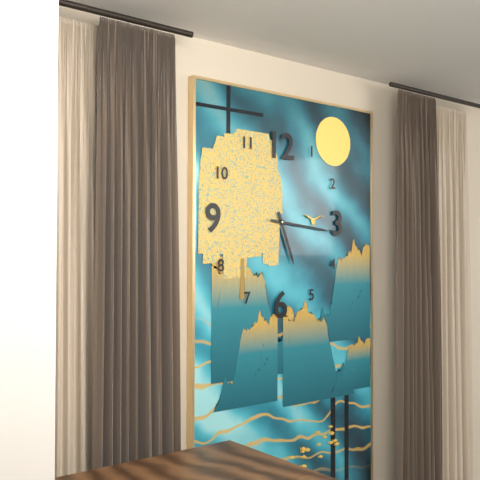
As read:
**5:16**
